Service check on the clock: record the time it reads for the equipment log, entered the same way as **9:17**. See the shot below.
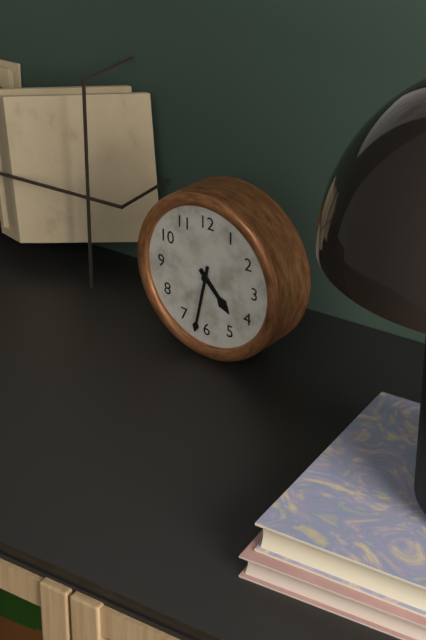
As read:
**4:32**
